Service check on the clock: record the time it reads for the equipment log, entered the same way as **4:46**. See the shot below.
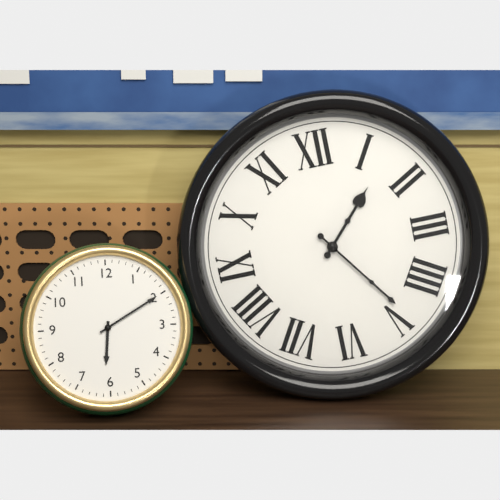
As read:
**1:24**
